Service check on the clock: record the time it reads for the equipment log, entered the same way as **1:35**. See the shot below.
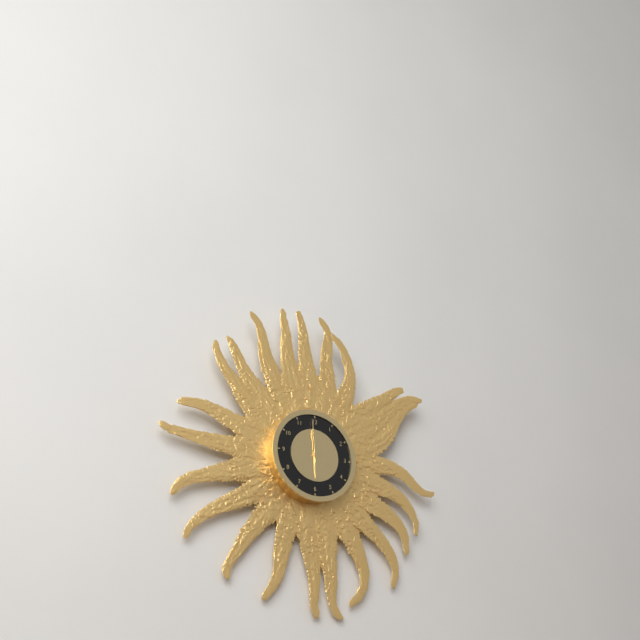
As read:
**5:59**
